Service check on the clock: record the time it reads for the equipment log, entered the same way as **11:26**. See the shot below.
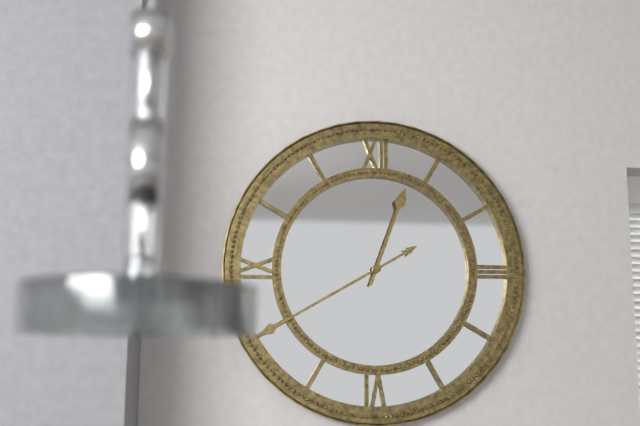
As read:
**12:40**
